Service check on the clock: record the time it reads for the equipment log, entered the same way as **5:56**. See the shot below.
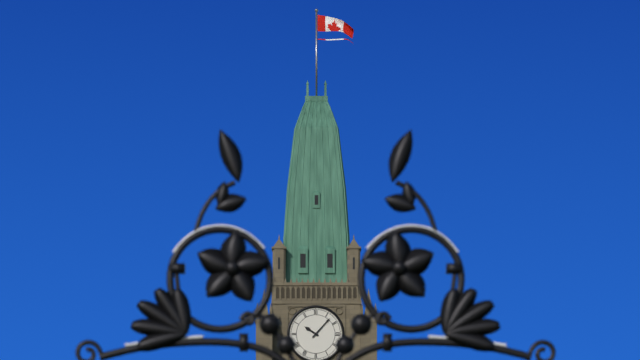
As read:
**10:07**
